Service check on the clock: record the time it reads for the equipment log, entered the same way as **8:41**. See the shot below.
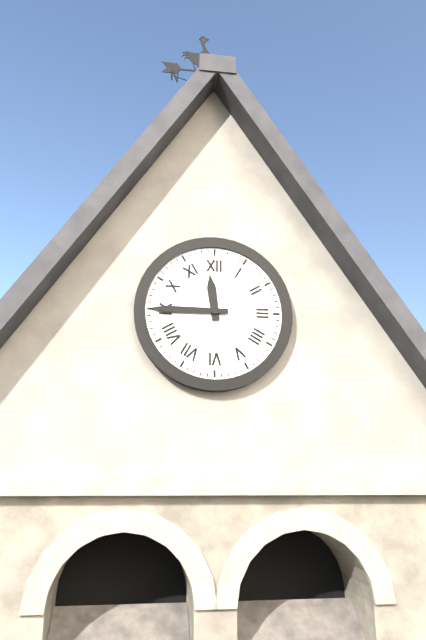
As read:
**11:45**
